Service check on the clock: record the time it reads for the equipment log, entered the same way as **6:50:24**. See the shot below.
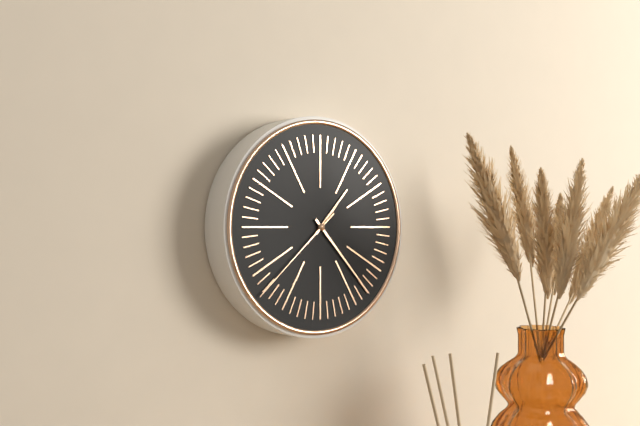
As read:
**1:23:38**
